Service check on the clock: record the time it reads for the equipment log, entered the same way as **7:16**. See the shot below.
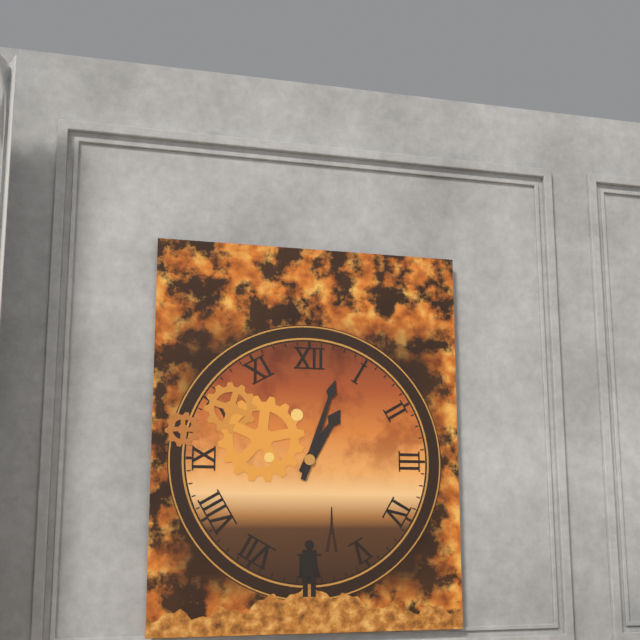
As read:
**1:03**
